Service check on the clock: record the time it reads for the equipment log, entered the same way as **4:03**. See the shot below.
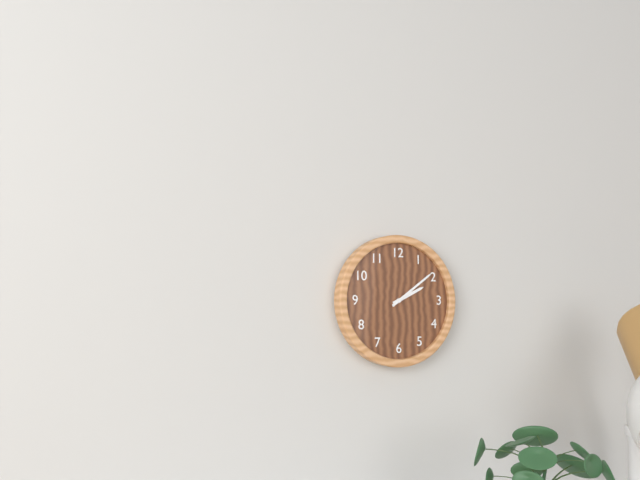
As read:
**2:09**
